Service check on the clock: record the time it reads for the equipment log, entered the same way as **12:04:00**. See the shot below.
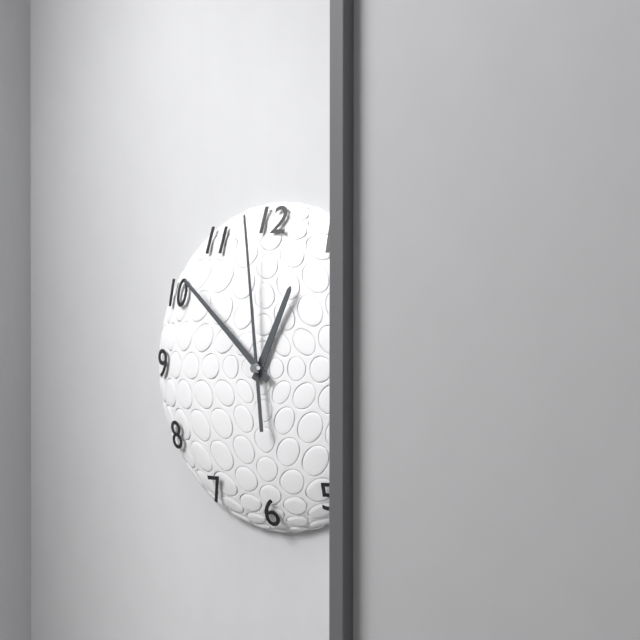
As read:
**12:52:59**
